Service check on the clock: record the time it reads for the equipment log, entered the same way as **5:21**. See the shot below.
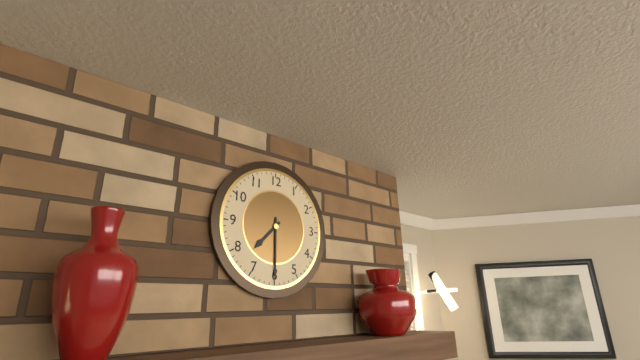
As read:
**7:30**
